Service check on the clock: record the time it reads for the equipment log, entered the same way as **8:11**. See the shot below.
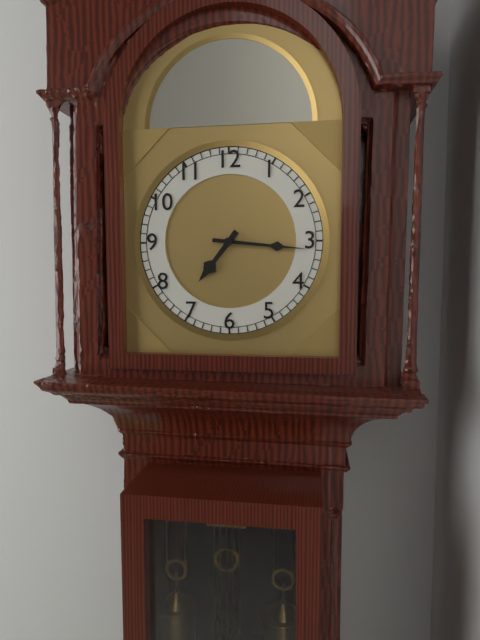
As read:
**7:16**
